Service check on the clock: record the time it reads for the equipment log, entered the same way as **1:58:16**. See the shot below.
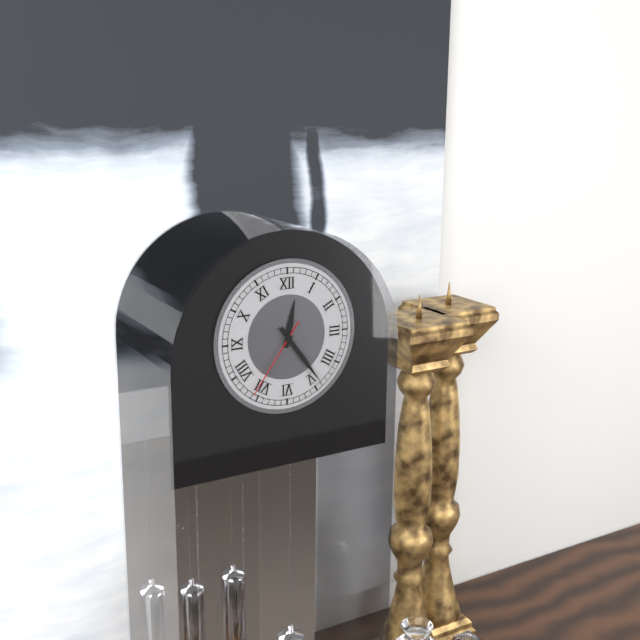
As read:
**12:24:36**
